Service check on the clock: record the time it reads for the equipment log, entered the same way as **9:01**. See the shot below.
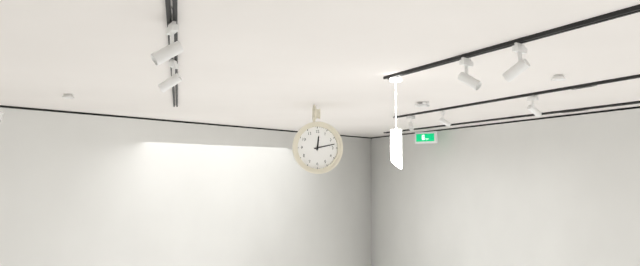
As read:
**12:13**
